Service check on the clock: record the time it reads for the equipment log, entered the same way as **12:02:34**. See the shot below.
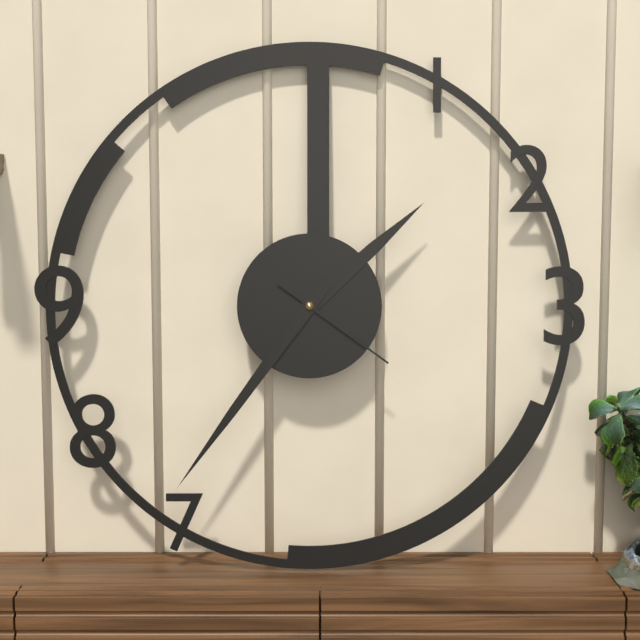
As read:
**1:36:21**
